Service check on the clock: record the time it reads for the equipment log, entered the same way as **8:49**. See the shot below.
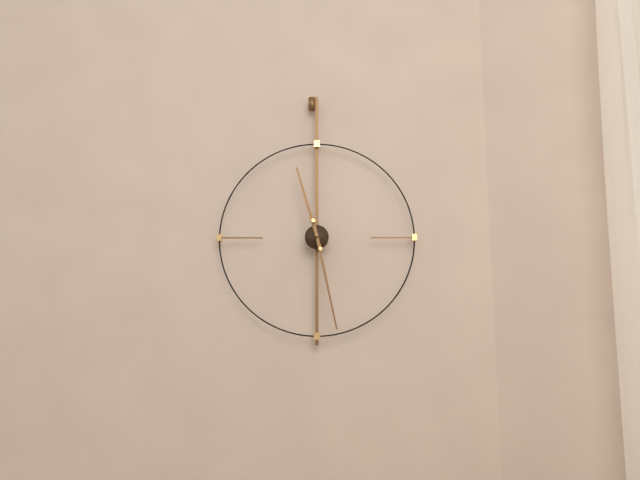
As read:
**11:28**
